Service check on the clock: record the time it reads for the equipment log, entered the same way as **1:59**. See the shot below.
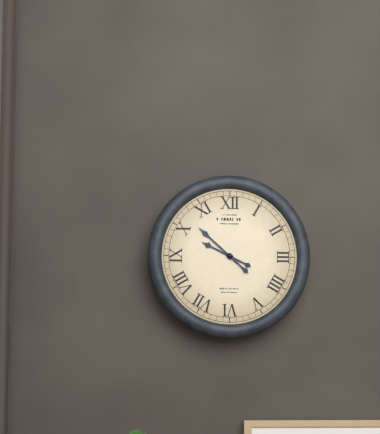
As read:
**9:52**
